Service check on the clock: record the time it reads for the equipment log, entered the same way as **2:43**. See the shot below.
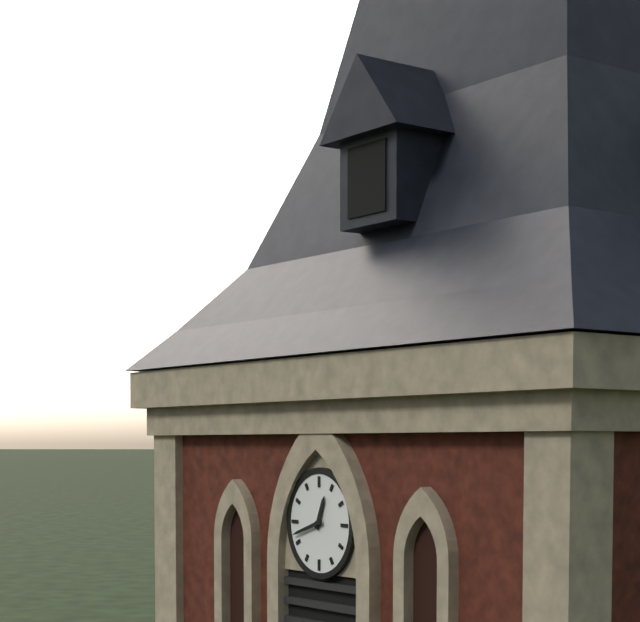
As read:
**12:42**
